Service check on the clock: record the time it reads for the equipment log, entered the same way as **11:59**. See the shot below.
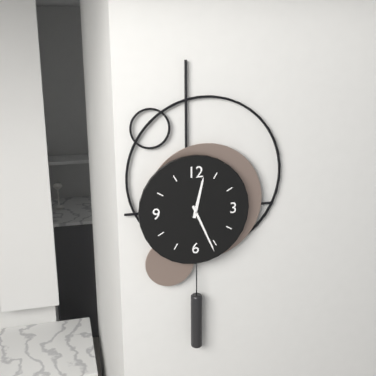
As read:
**12:26**
